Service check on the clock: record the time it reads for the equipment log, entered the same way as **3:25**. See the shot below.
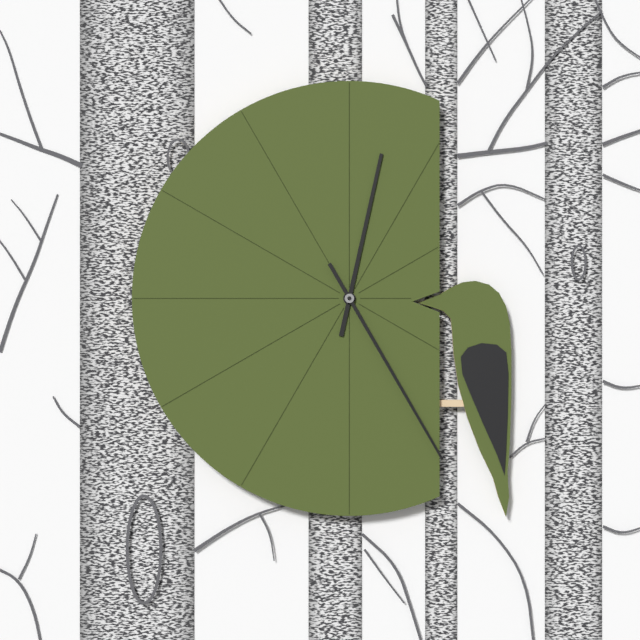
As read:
**12:25**
